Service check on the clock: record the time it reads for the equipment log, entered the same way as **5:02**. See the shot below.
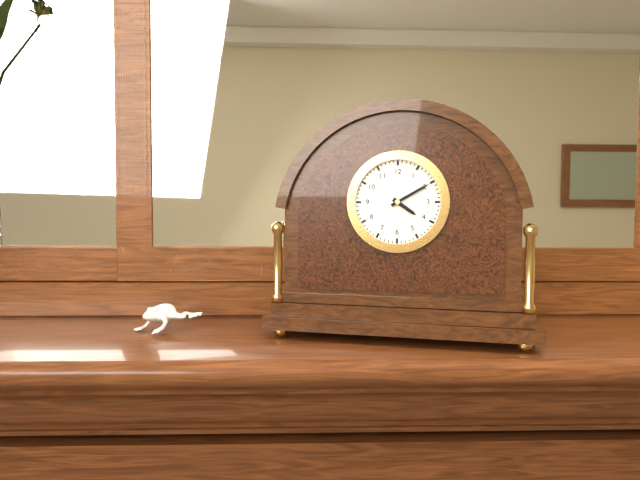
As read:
**4:10**
